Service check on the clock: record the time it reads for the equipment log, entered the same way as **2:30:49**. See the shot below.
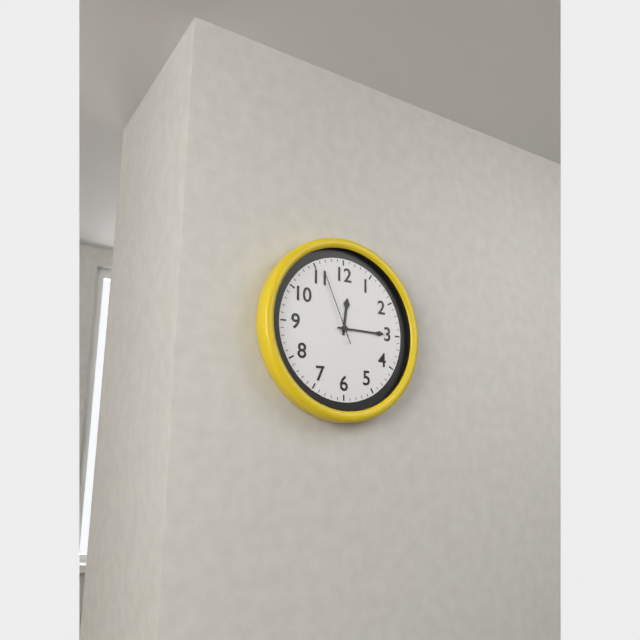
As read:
**12:15:56**
